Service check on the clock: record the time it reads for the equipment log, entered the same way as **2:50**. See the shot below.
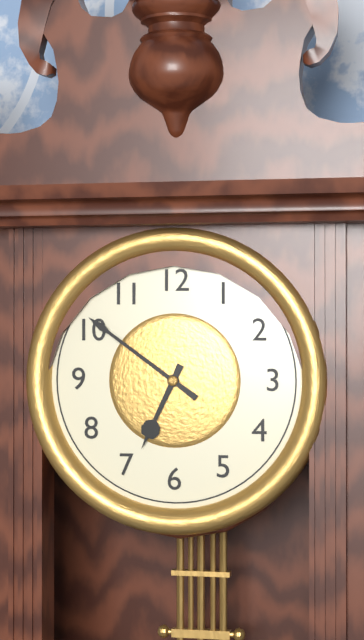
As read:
**6:51**
